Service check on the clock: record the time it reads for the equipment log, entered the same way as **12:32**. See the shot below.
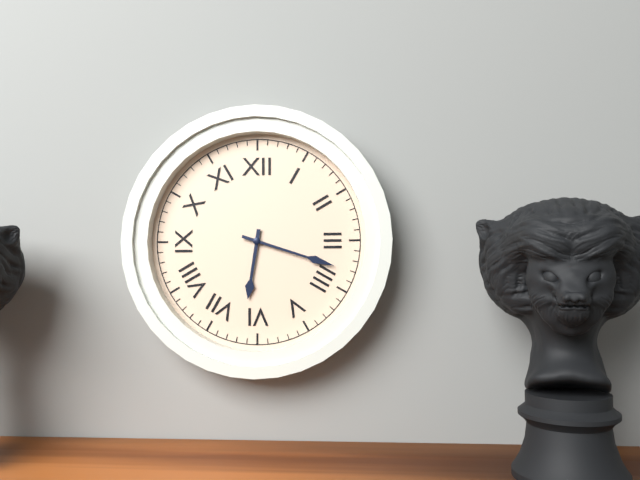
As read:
**6:18**
